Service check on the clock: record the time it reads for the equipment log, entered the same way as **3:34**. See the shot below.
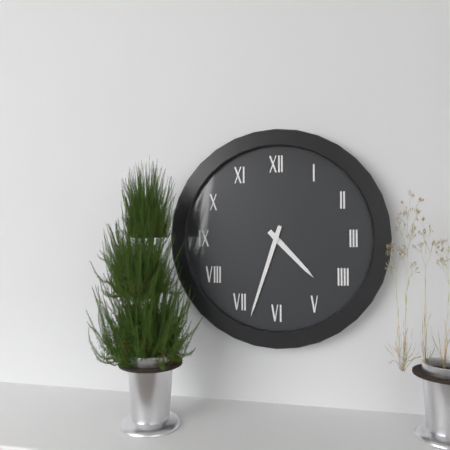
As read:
**4:33**
